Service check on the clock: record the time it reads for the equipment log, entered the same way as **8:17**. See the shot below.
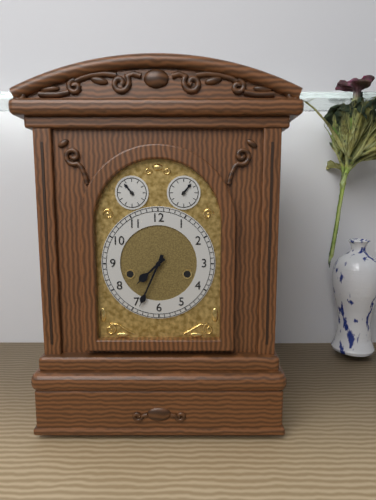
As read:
**7:34**
